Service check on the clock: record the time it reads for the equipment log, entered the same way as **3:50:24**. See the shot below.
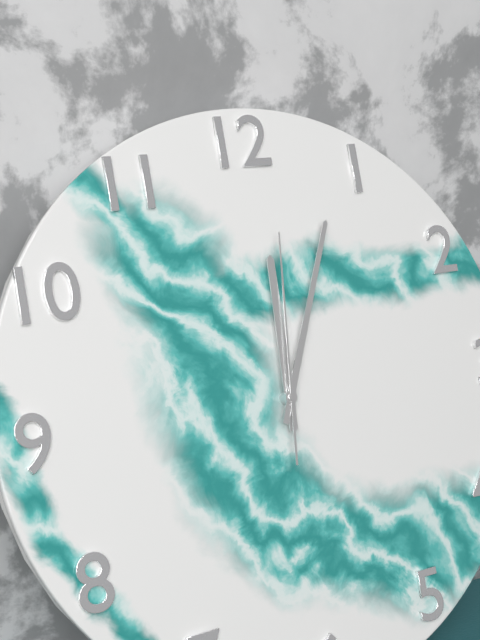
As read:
**12:04:01**
